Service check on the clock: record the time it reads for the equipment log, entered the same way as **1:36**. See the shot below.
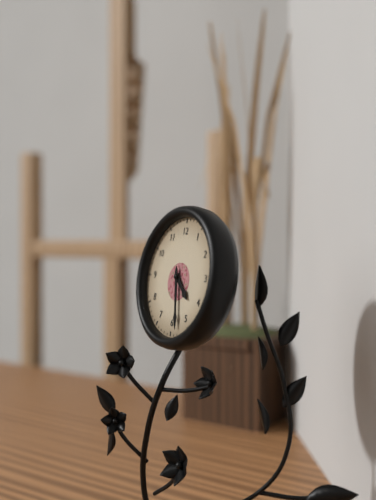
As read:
**4:28**
